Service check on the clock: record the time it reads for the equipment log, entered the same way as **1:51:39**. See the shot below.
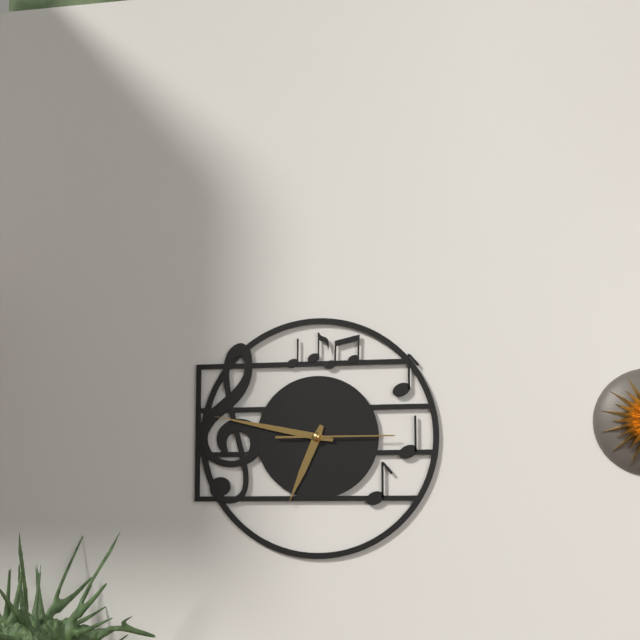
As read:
**6:47:15**
